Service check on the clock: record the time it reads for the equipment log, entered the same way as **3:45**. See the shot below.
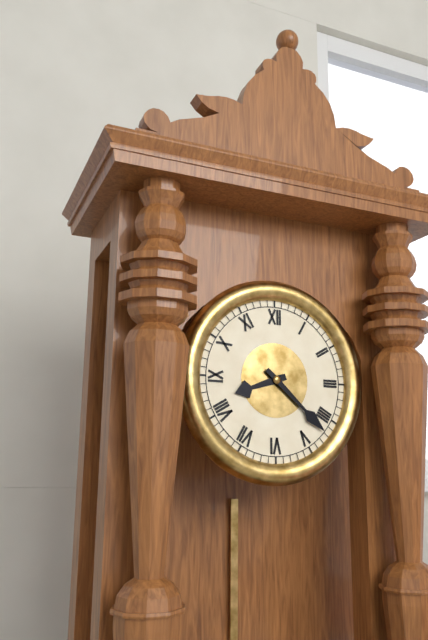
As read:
**8:22**
